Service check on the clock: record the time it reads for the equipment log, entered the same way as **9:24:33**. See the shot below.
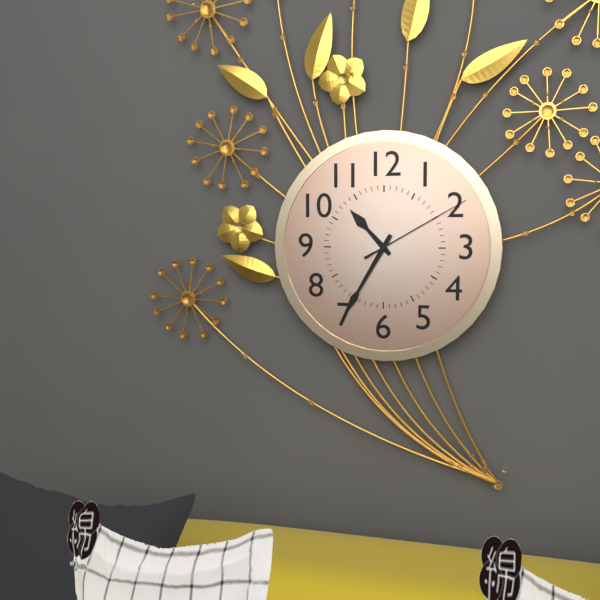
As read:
**10:35:10**
